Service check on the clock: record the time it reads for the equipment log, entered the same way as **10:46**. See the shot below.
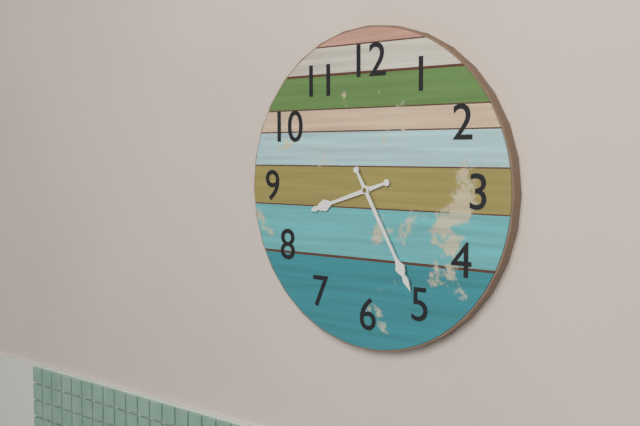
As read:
**8:25**
